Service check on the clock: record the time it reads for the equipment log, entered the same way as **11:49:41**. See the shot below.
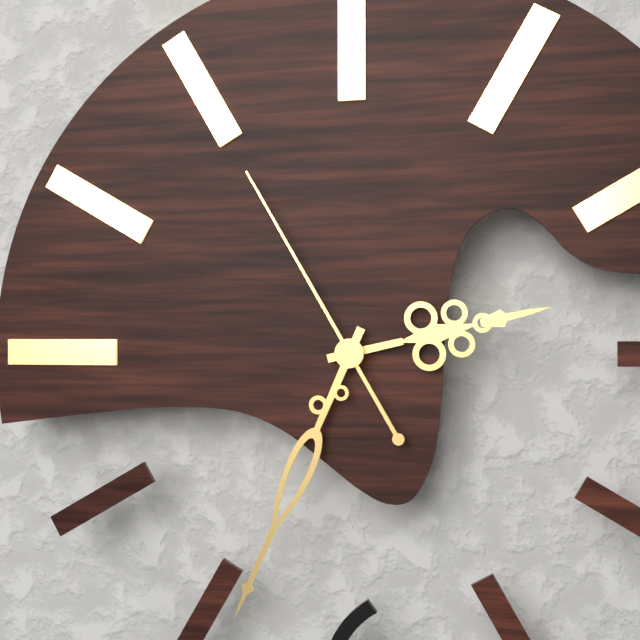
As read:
**2:34:55**
